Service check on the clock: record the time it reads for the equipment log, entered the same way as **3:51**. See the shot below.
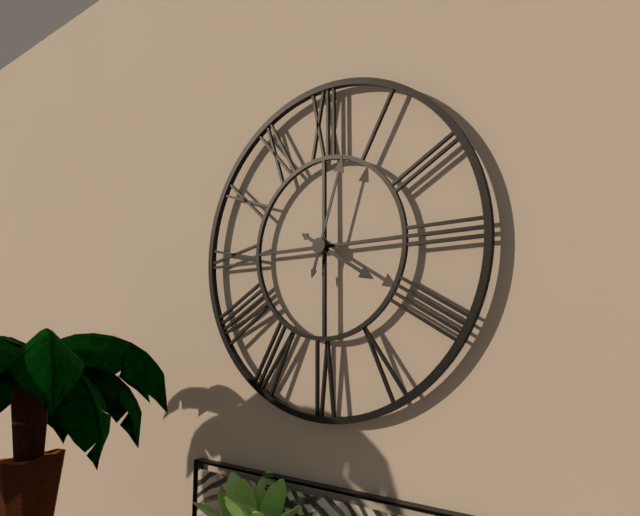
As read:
**4:03**
